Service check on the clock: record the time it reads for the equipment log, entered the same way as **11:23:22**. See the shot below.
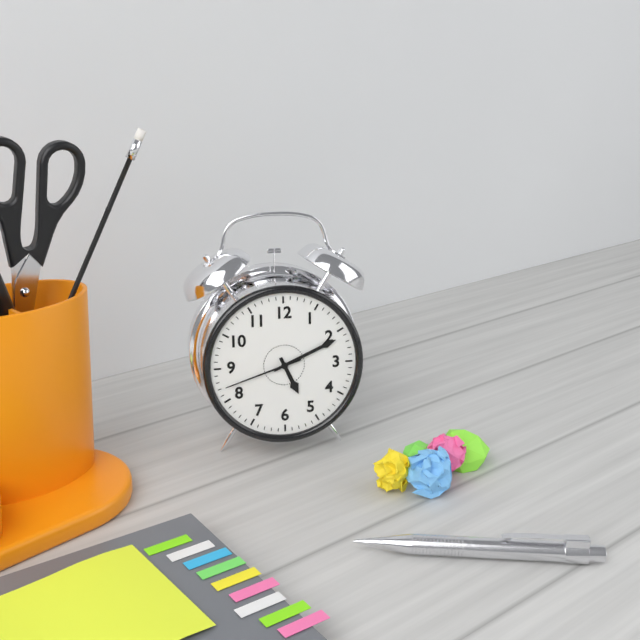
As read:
**5:11:42**
